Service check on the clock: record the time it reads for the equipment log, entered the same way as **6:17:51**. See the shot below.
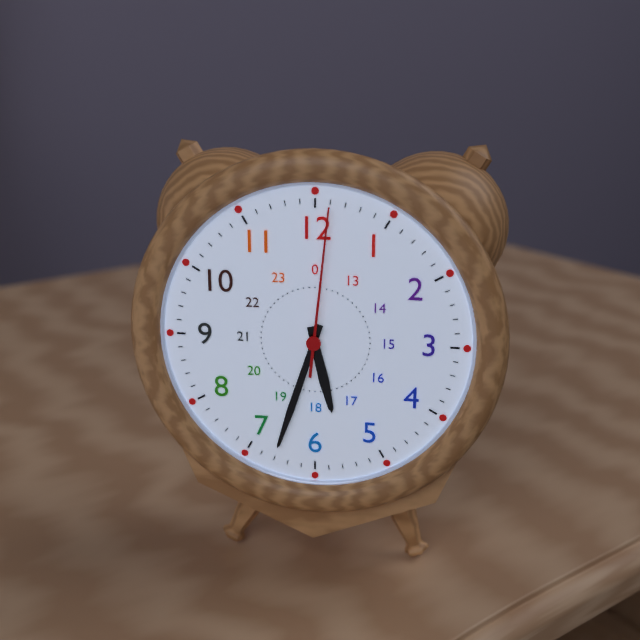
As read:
**5:33:01**
